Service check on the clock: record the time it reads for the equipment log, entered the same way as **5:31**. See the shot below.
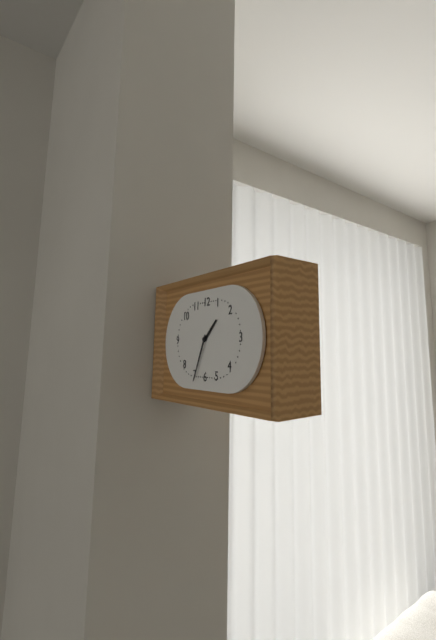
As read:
**1:34**
